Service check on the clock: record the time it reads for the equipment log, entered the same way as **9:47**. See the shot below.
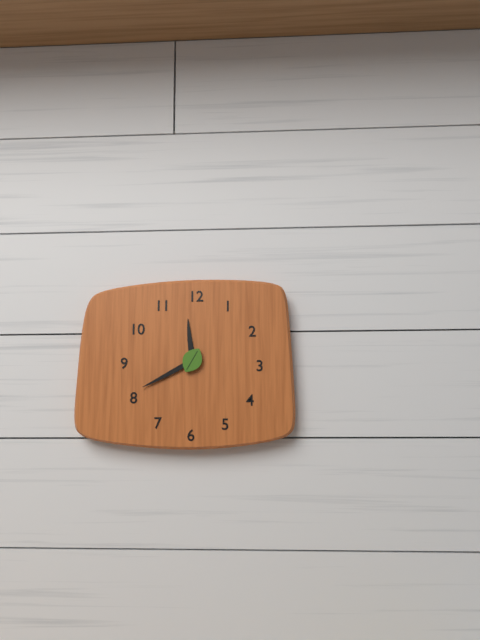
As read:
**11:40**
